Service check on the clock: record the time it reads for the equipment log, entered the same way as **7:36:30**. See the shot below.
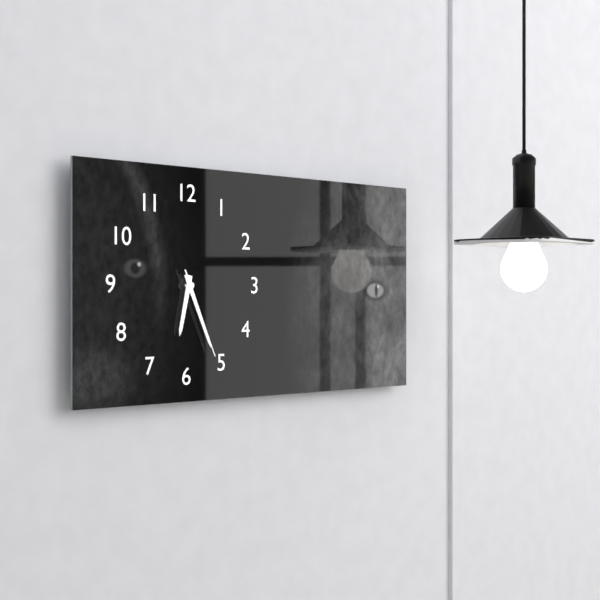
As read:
**6:26:26**
